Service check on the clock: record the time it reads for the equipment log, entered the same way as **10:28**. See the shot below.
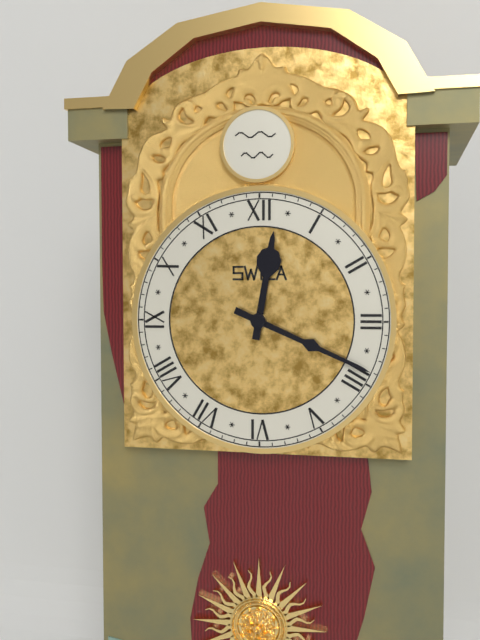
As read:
**12:19**
